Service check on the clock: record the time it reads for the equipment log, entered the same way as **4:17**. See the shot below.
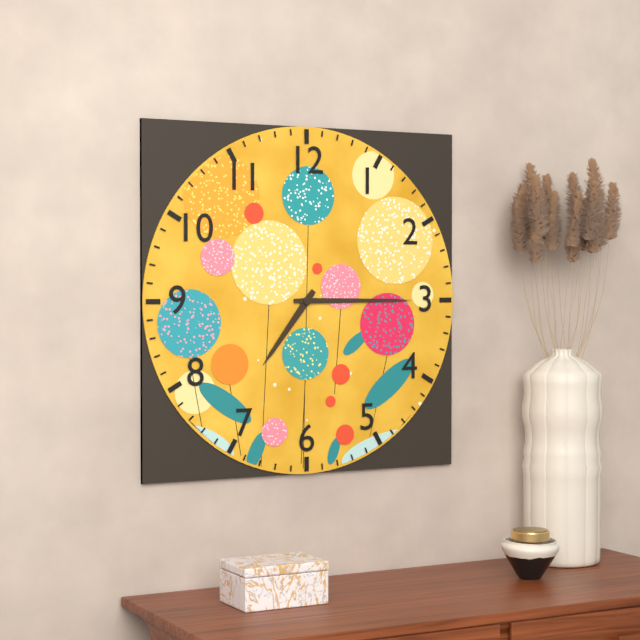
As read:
**7:15**
